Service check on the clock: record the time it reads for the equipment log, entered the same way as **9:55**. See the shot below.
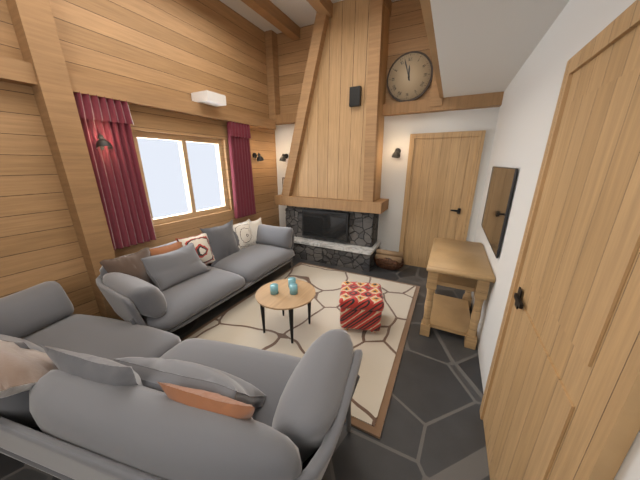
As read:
**11:57**
